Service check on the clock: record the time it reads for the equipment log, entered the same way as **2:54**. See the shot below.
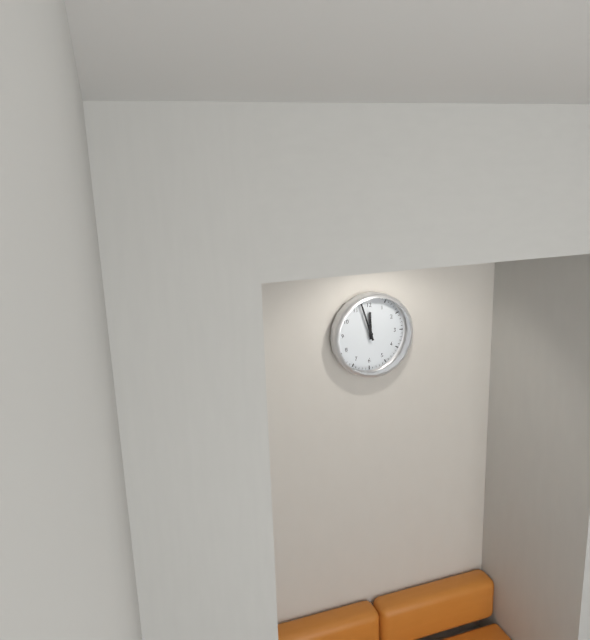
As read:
**11:57**
